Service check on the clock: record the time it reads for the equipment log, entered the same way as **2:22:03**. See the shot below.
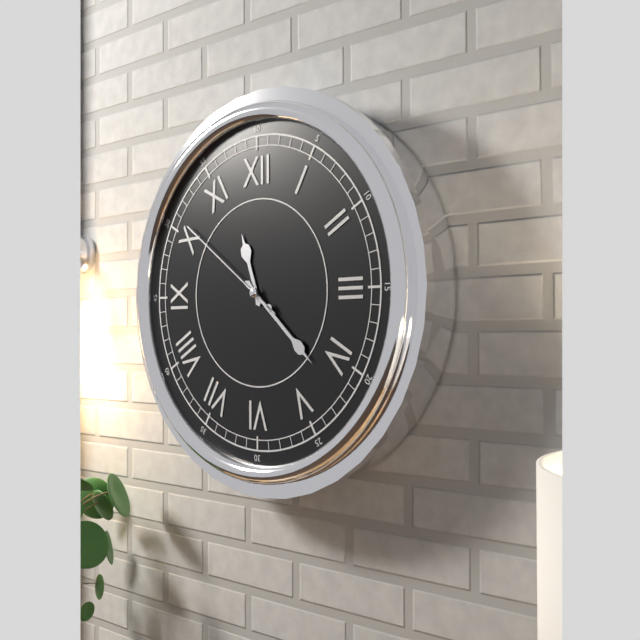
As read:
**11:22:51**
